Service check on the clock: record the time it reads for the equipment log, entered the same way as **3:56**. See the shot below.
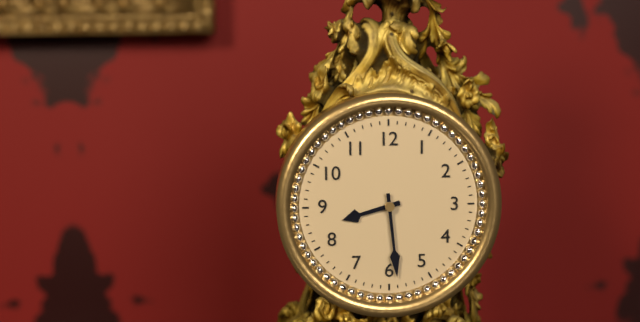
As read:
**8:29**
